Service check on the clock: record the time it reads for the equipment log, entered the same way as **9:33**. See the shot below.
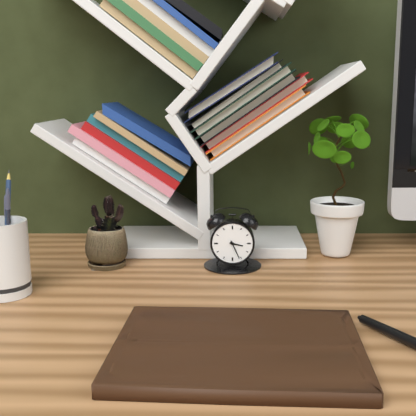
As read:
**3:26**
